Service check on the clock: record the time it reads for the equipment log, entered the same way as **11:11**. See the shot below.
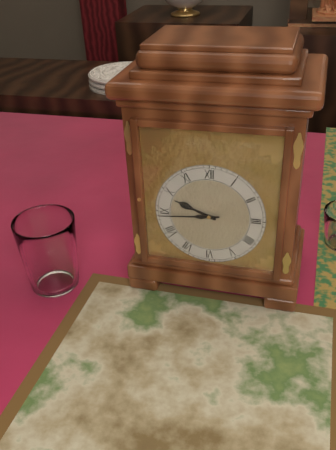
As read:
**9:44**
